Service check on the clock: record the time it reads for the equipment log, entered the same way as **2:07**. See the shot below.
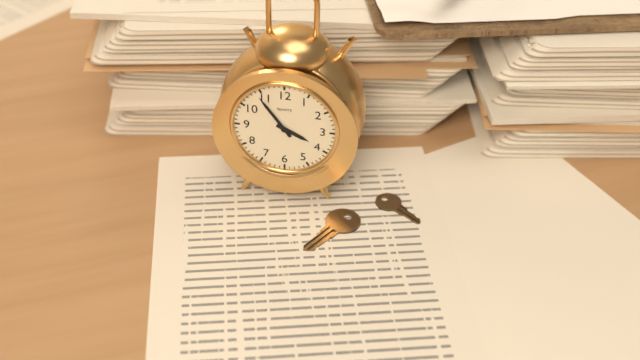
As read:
**3:54**
